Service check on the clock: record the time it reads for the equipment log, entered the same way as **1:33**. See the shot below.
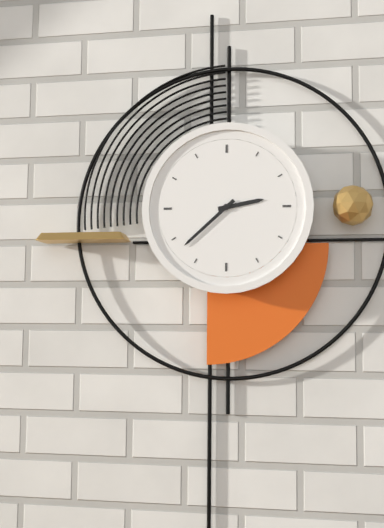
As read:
**2:38**
